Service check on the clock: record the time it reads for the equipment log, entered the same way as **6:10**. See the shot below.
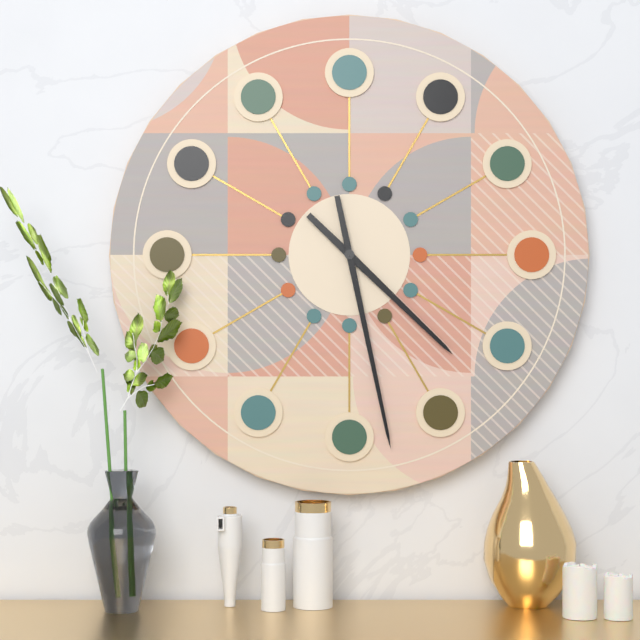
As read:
**4:28**
